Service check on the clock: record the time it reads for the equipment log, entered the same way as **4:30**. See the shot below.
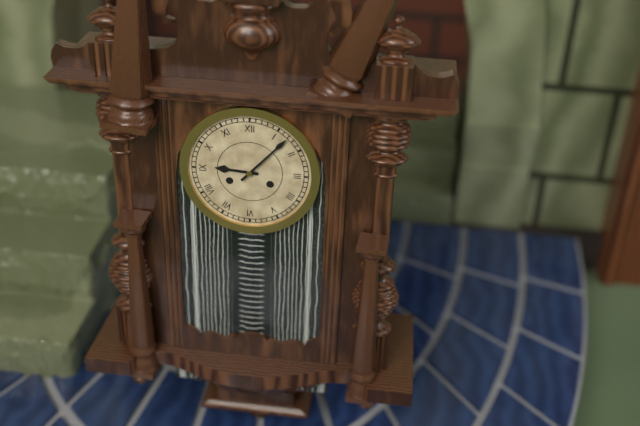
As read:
**9:07**
